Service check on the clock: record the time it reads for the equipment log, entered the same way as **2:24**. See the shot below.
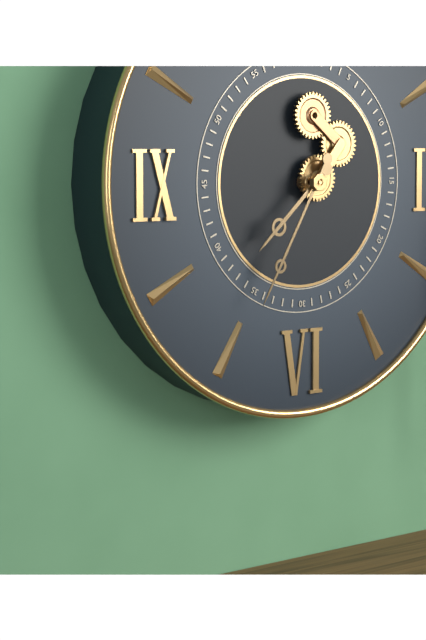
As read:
**7:35**
